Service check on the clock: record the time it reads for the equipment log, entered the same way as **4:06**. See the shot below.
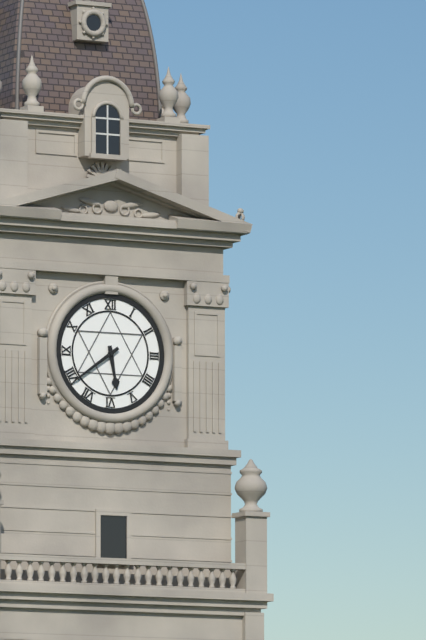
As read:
**5:39**
